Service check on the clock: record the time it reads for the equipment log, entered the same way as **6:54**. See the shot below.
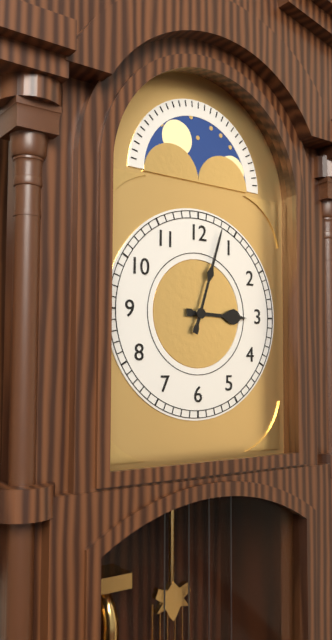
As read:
**3:03**
